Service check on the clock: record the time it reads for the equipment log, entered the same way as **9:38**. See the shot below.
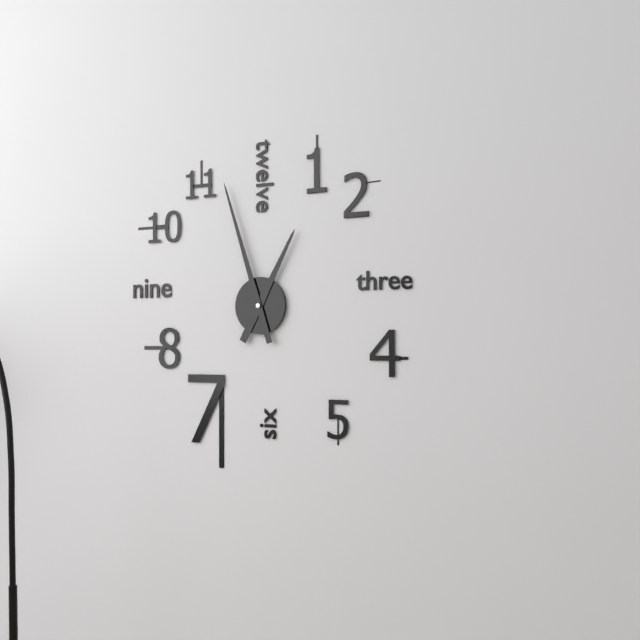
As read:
**12:57**
